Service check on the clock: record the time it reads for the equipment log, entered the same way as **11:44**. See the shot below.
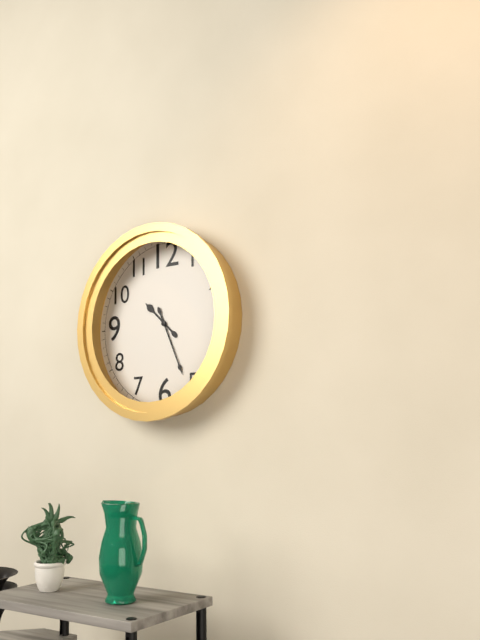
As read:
**10:26**
